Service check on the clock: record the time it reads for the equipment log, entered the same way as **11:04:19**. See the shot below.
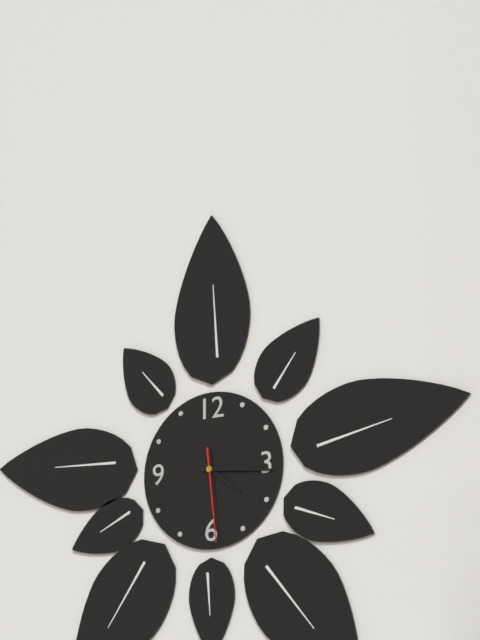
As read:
**4:16:29**
